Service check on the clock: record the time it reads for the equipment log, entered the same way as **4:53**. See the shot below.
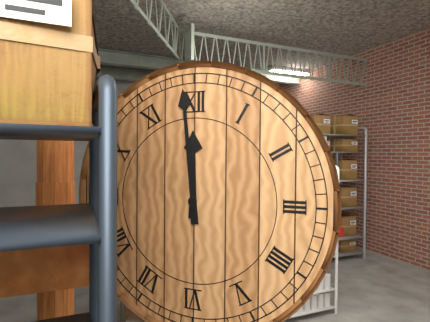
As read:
**11:59**
